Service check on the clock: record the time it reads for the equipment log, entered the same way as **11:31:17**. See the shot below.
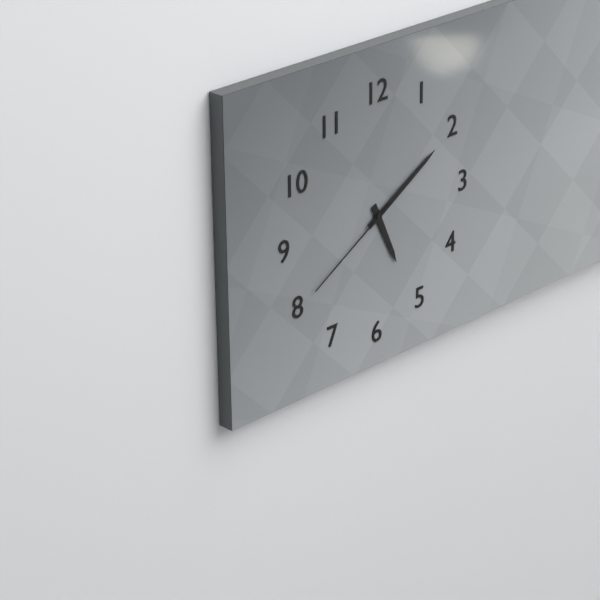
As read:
**5:10:40**
